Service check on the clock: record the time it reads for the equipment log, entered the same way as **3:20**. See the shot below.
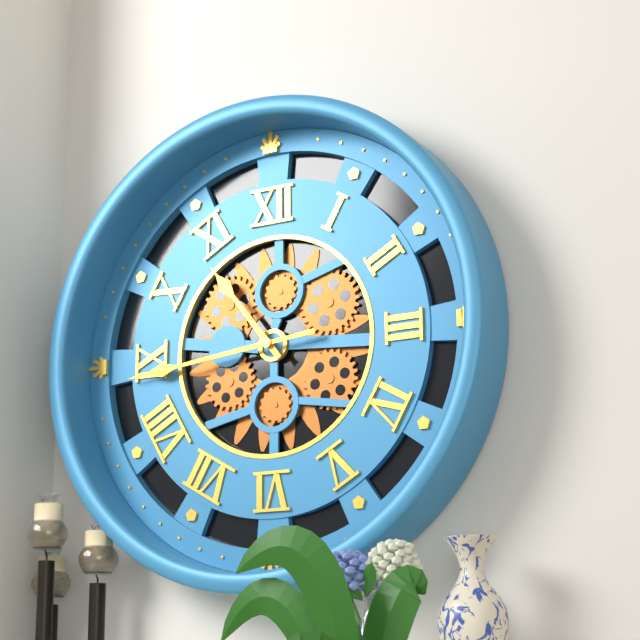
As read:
**10:44**
